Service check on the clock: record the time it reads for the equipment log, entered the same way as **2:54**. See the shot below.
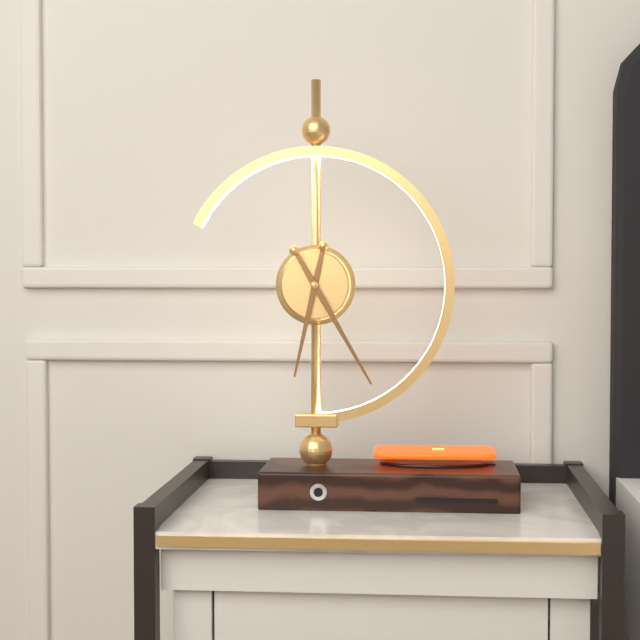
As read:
**6:25**
